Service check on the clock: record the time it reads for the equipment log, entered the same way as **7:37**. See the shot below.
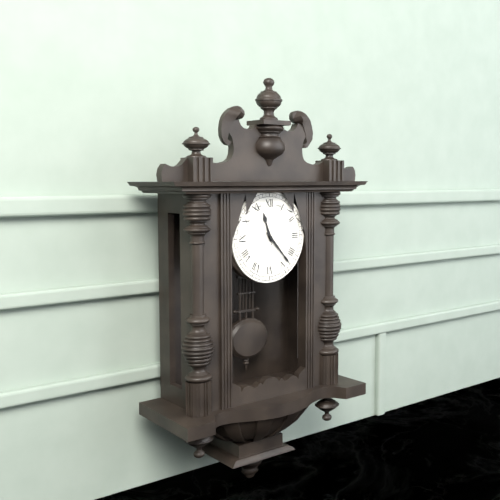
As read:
**11:23**
